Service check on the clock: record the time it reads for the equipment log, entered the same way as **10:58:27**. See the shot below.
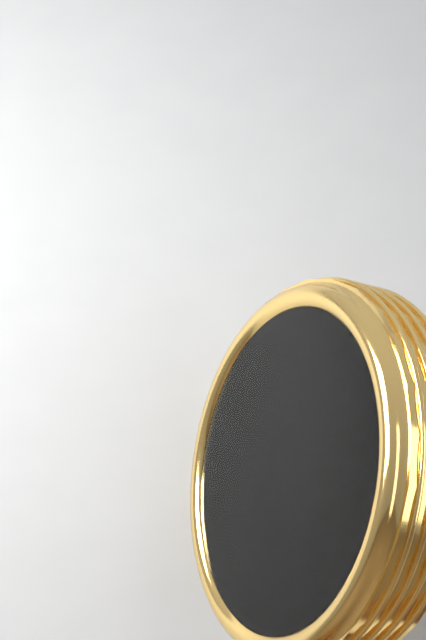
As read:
**3:04:24**
